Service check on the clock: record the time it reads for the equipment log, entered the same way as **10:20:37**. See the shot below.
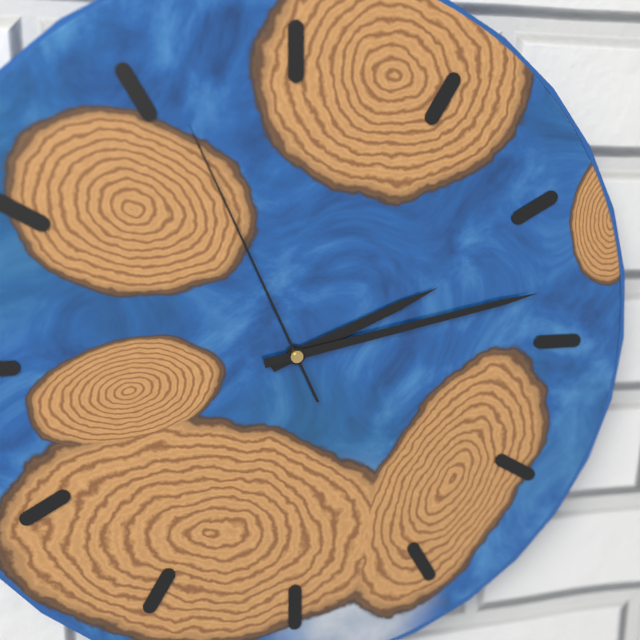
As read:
**2:13:56**
